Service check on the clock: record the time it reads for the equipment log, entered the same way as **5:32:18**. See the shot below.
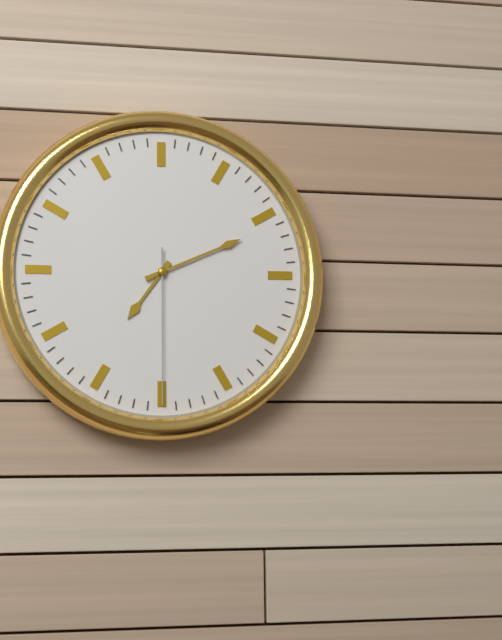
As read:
**7:11:30**
